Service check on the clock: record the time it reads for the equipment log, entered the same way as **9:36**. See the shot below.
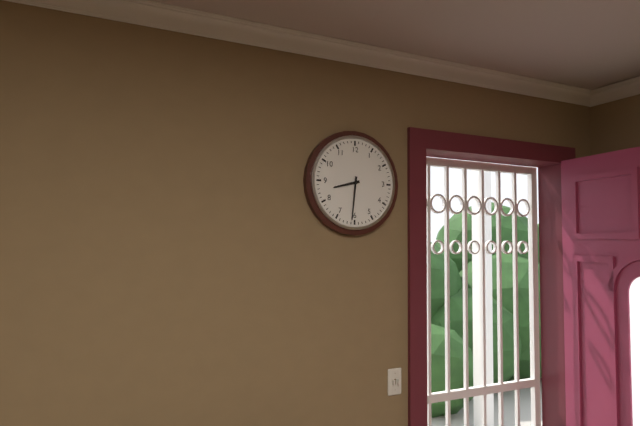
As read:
**8:31**
